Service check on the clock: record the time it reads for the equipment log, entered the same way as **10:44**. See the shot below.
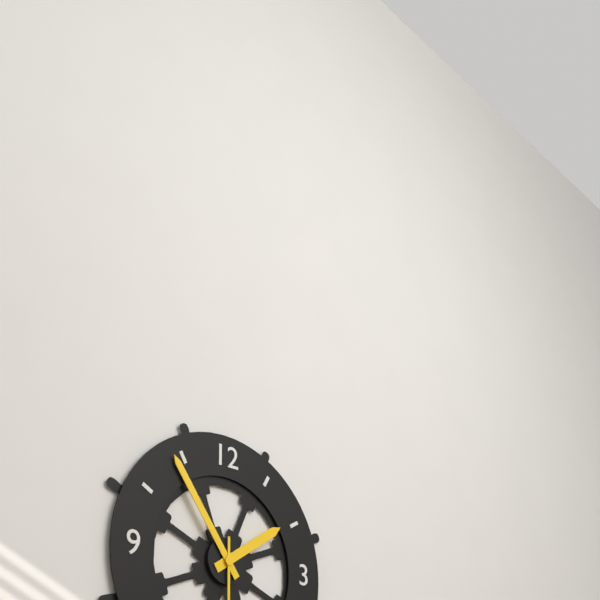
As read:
**1:54**
